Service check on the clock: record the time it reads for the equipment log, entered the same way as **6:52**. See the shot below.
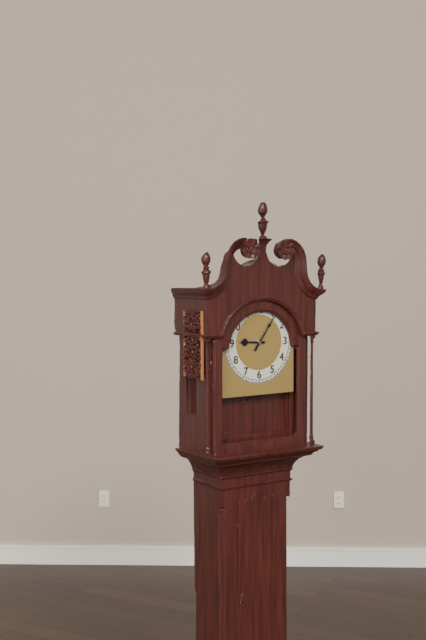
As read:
**9:06**
